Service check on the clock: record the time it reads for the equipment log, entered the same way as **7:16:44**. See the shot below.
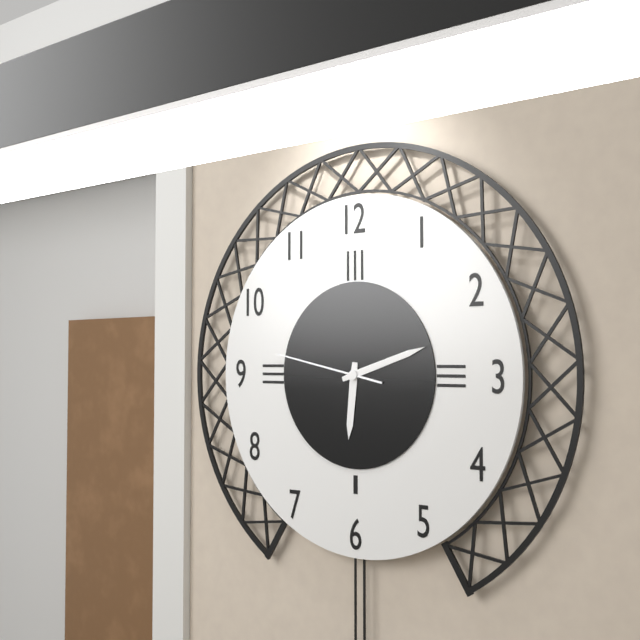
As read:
**6:12:47**
